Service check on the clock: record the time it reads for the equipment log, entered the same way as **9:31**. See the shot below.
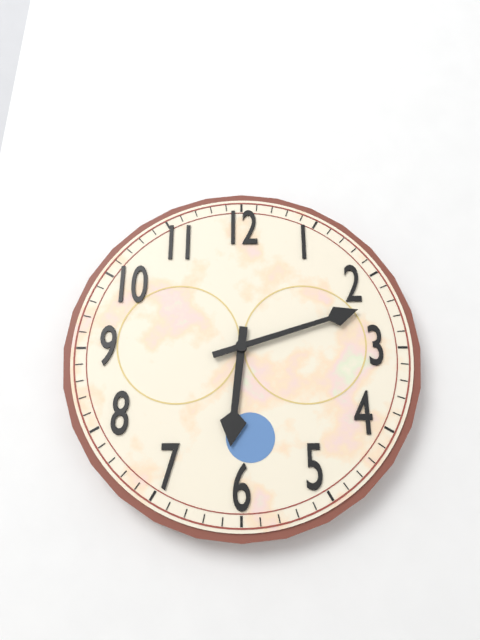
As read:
**6:12**
